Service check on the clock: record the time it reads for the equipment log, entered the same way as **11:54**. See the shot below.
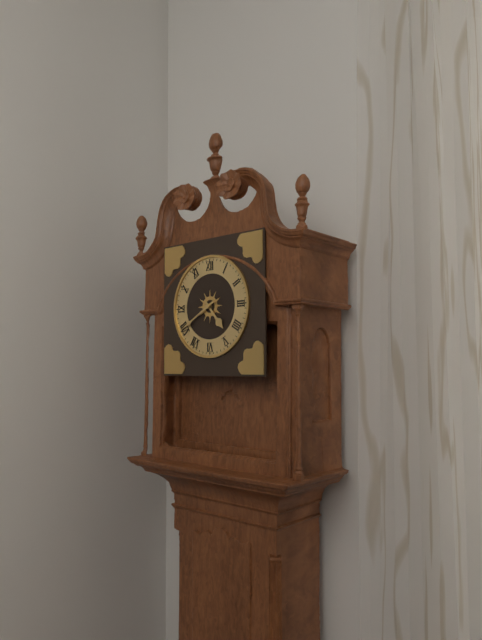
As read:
**4:40**
